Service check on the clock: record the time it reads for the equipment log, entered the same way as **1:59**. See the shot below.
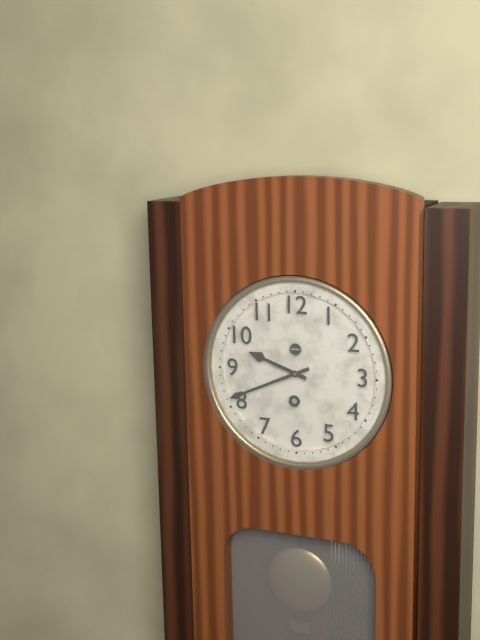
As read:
**9:41**
